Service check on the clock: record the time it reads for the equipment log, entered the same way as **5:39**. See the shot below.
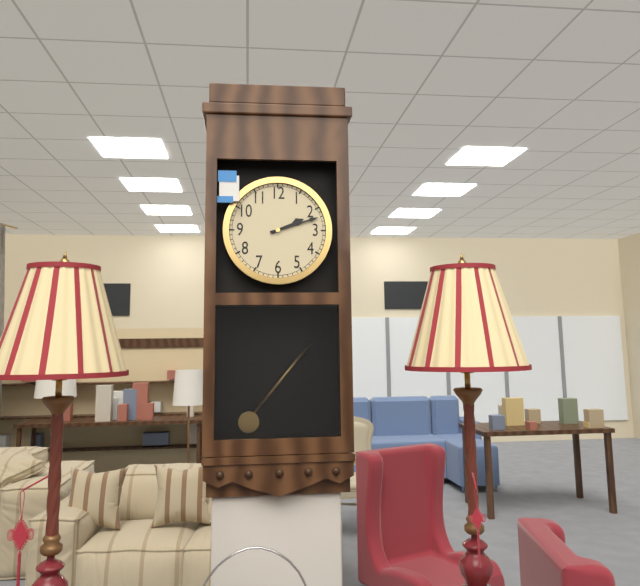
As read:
**2:12**
